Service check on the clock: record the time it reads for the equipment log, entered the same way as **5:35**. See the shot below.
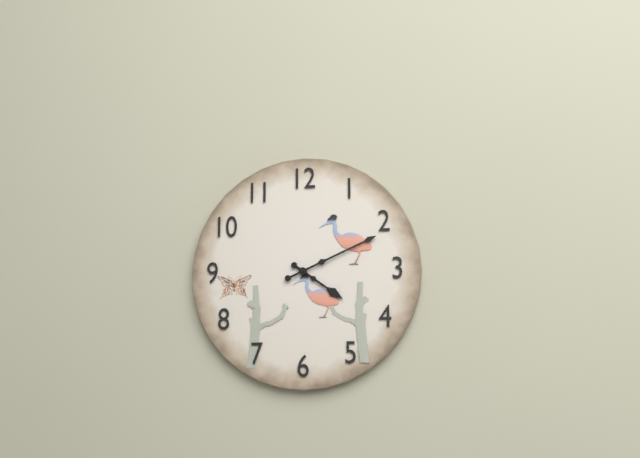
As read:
**4:11**
